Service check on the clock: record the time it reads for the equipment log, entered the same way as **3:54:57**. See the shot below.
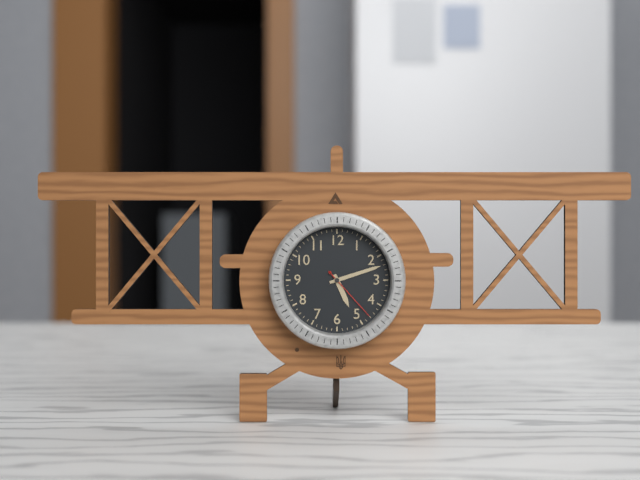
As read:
**5:12:23**
